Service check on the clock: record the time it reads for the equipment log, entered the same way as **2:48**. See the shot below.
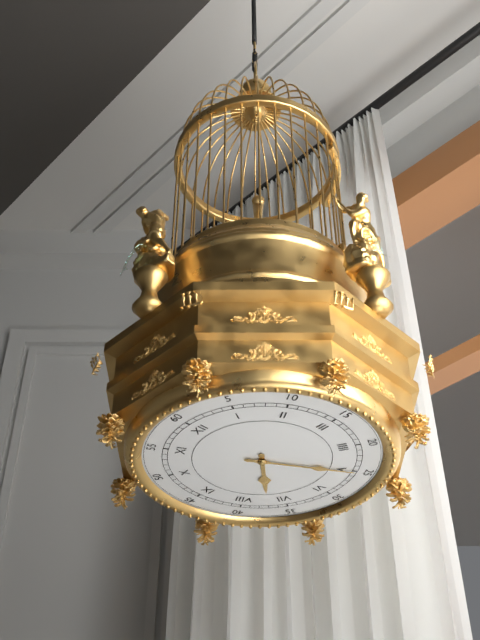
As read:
**7:25**
